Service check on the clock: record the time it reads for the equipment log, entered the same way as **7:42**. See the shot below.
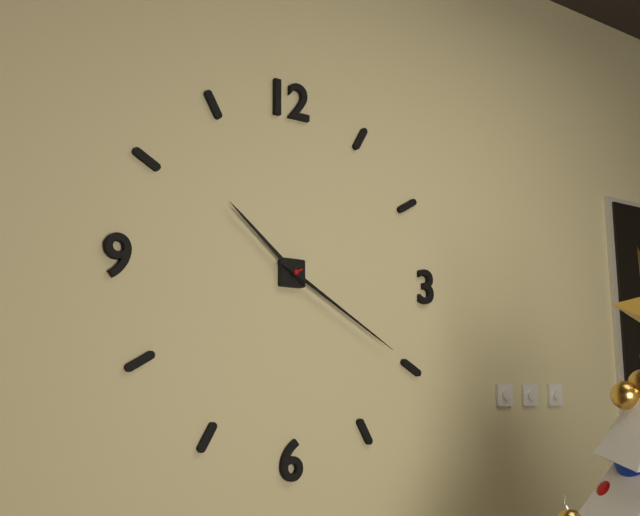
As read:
**10:20**
